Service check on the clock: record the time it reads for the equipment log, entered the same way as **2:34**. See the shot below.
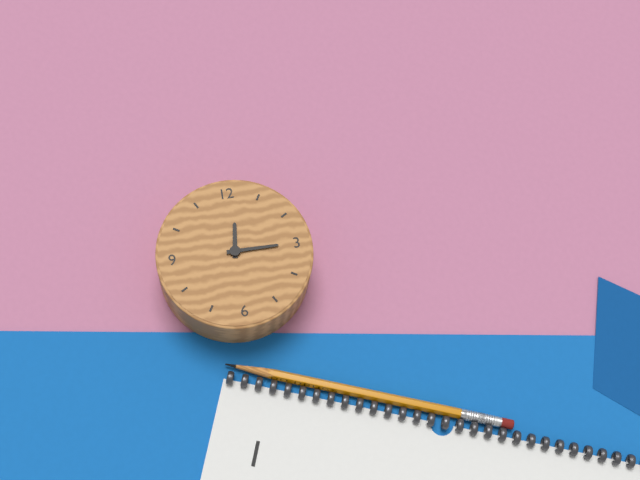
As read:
**12:15**
